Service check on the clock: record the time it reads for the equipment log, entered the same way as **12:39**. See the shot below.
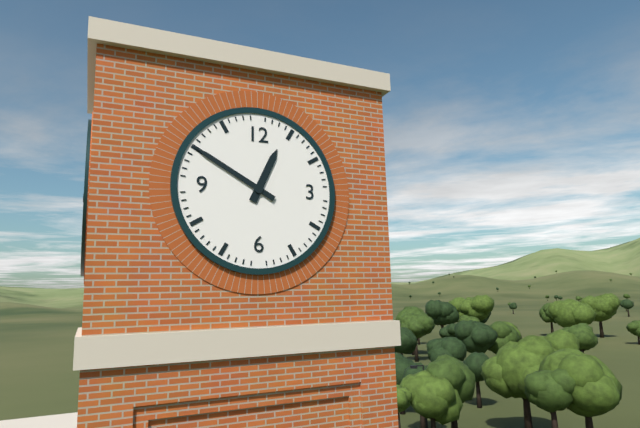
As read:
**12:50**
